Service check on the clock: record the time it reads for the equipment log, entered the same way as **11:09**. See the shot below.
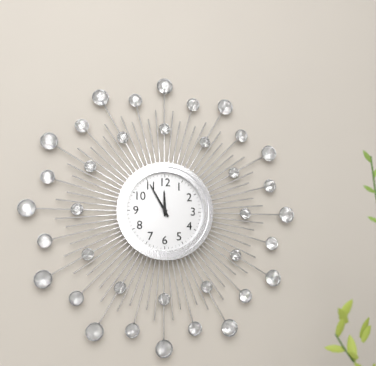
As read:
**11:55**
